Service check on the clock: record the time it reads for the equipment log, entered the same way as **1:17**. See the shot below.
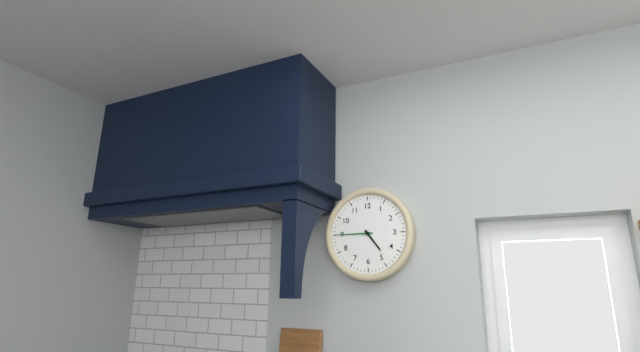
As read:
**4:45**
